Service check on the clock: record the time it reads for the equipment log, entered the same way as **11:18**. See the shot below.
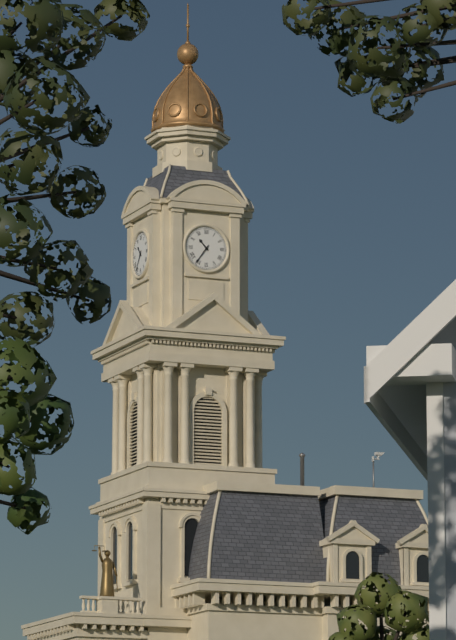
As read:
**10:36**
